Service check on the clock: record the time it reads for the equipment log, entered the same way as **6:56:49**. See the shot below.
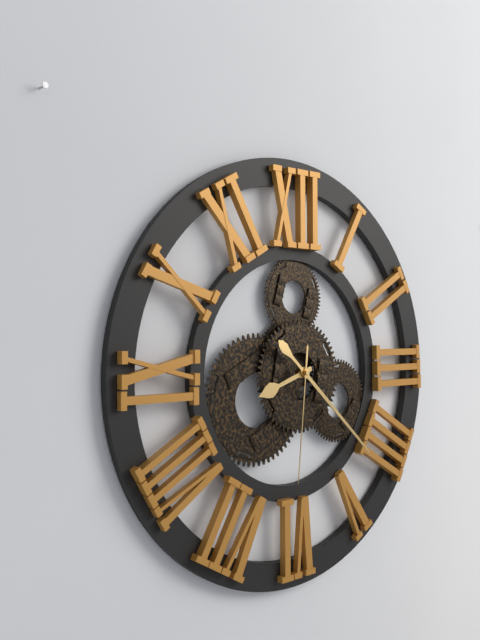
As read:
**8:22:31**
